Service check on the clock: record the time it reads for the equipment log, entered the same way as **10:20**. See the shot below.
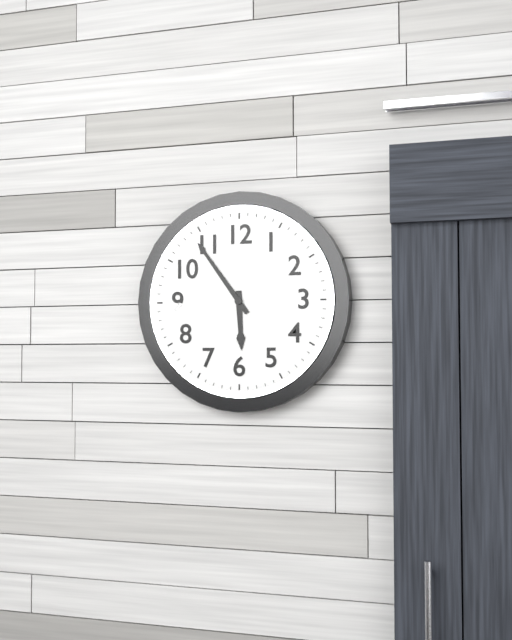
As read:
**5:54**
